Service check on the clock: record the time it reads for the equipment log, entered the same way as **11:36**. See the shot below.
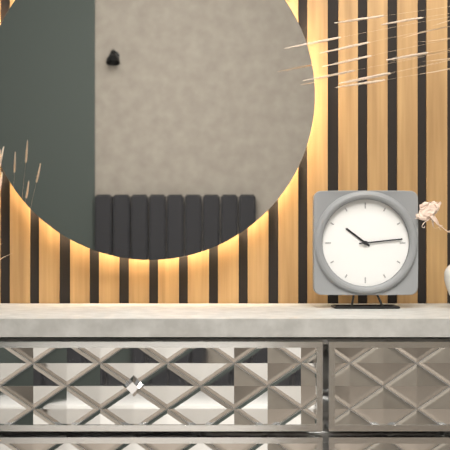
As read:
**10:14**
